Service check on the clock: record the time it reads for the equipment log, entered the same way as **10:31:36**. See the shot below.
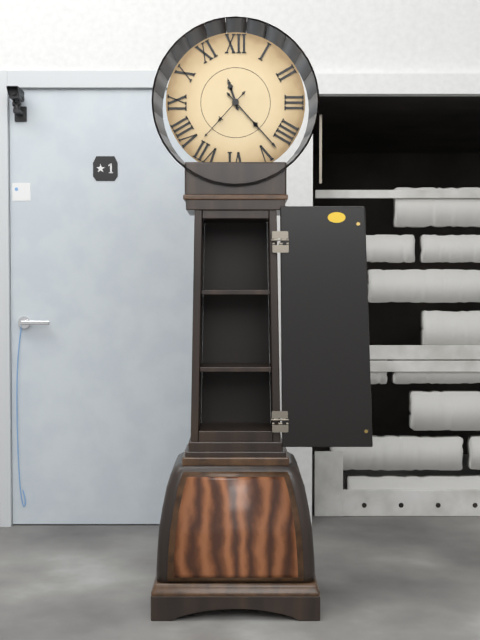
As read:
**11:23:37**
